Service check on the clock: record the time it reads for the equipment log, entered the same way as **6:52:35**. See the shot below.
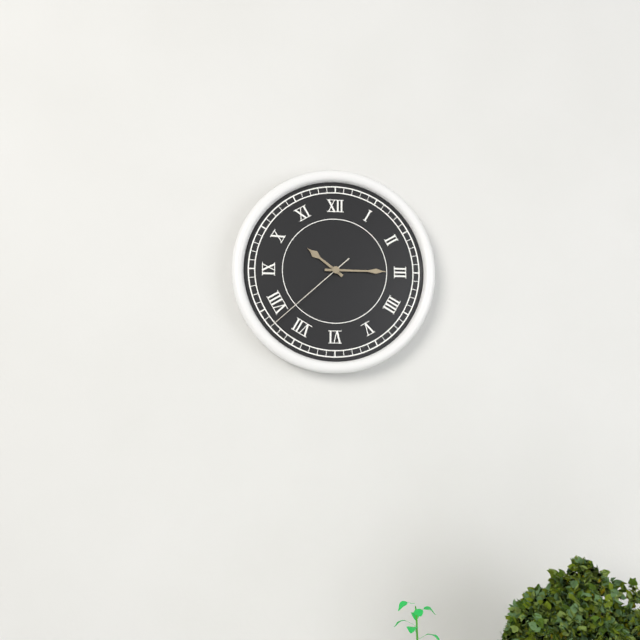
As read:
**10:15:38**
